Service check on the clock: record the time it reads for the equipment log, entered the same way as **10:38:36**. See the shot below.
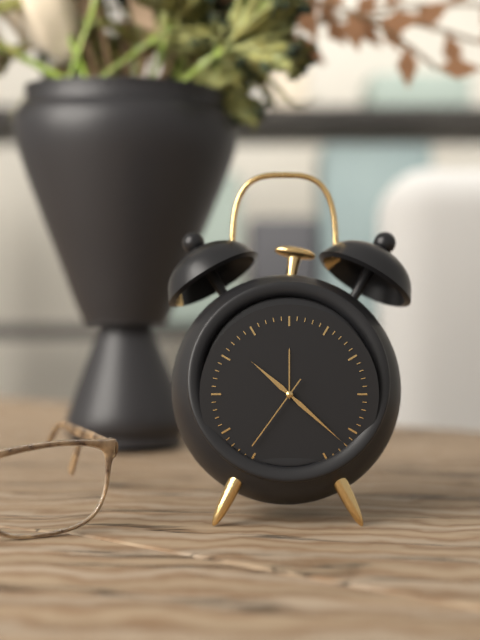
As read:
**10:22:36**
